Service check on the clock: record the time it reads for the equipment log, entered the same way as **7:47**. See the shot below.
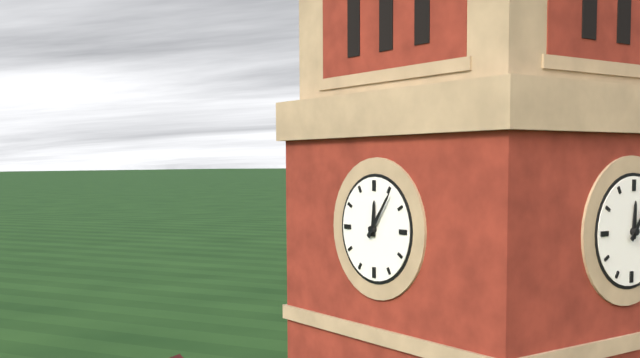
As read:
**12:06**
